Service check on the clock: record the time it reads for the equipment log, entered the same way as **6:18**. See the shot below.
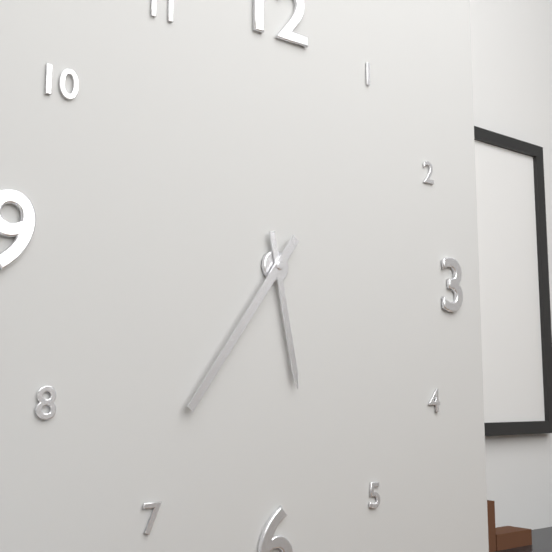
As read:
**5:36**
